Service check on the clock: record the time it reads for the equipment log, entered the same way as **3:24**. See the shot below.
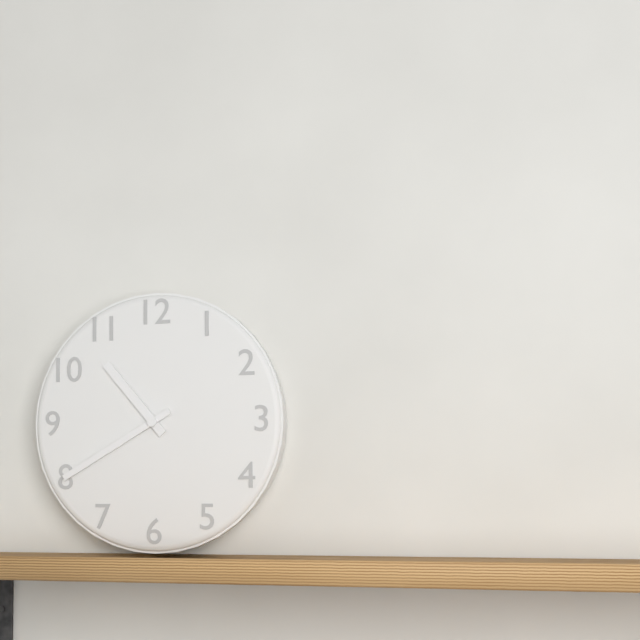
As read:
**10:40**
